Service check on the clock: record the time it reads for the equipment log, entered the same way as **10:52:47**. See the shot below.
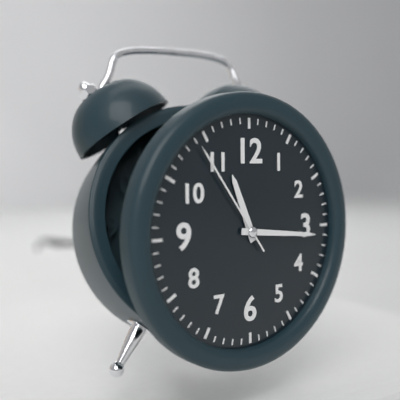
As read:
**11:16:54**
